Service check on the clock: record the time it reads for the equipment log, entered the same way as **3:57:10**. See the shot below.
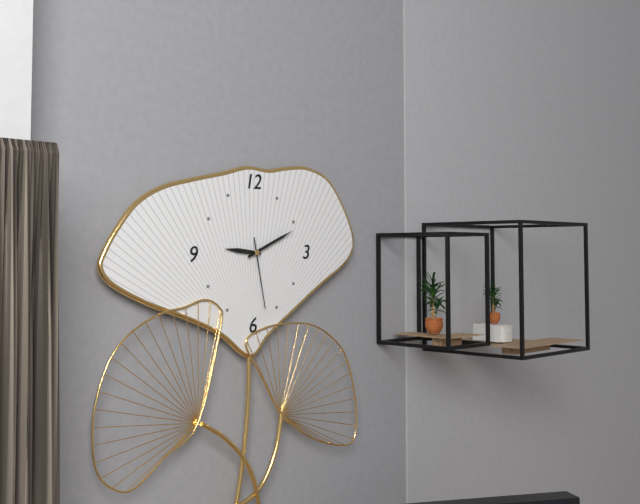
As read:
**9:11:28**
